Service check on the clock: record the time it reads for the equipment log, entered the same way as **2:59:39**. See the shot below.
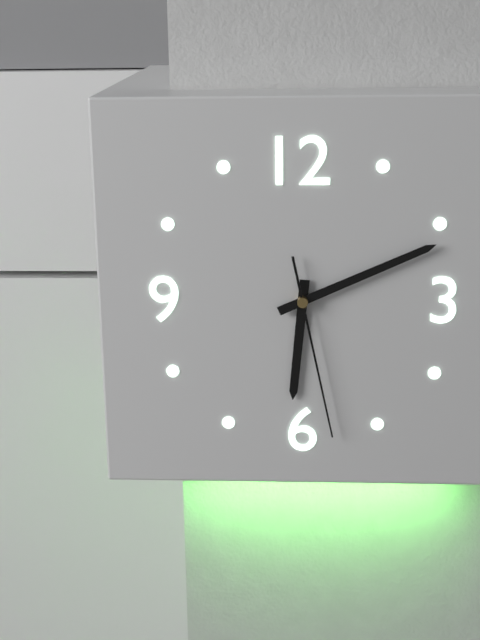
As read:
**6:11:28**
